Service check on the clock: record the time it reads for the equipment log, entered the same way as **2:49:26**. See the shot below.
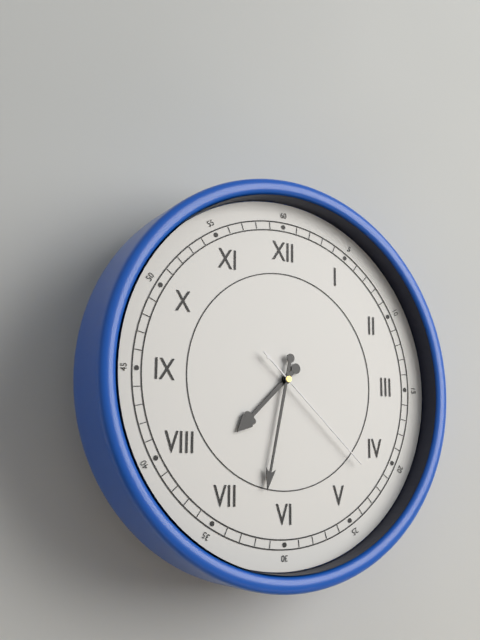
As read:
**7:32:22**
